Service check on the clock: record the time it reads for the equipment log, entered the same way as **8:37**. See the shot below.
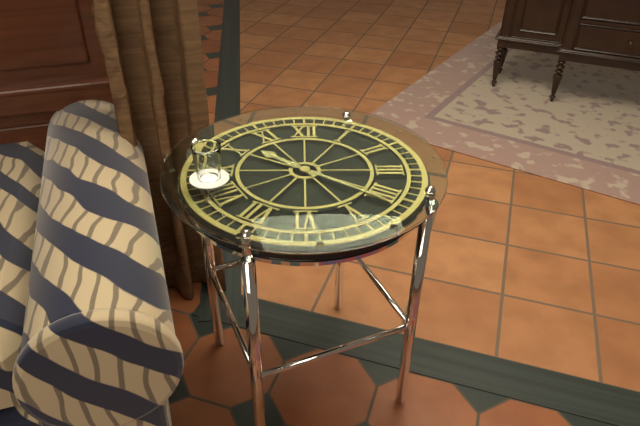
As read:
**10:21**
